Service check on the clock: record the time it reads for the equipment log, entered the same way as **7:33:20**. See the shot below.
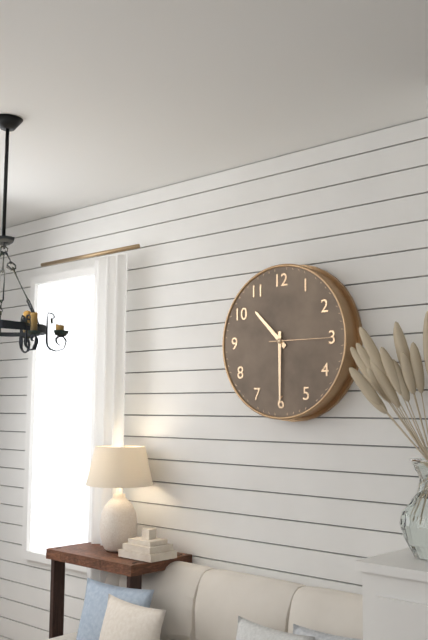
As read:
**10:30:15**
